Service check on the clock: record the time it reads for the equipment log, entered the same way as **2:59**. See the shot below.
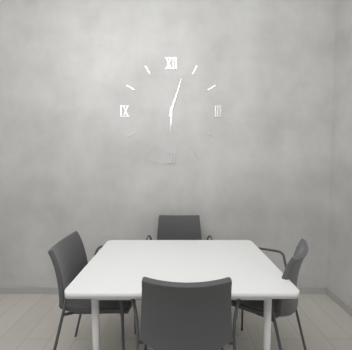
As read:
**6:03**
